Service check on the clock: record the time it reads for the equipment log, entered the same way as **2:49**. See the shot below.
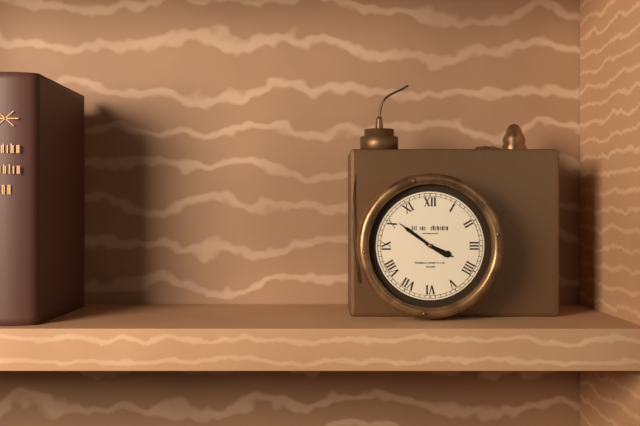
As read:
**3:51**
